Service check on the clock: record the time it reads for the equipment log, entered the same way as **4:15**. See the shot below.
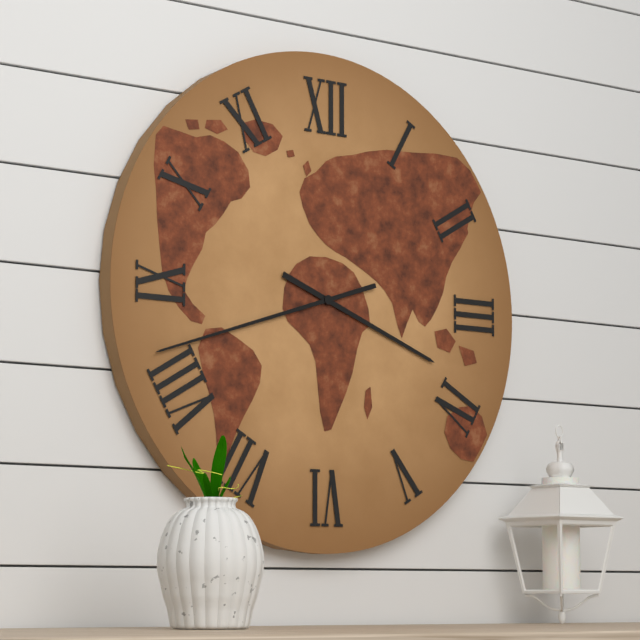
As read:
**3:42**
